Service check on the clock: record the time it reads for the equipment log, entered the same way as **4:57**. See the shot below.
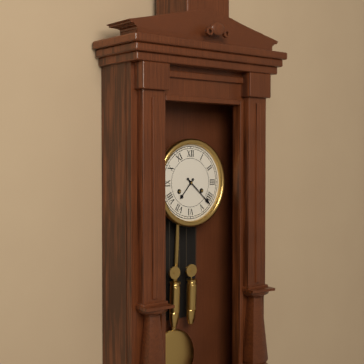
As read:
**7:22**
